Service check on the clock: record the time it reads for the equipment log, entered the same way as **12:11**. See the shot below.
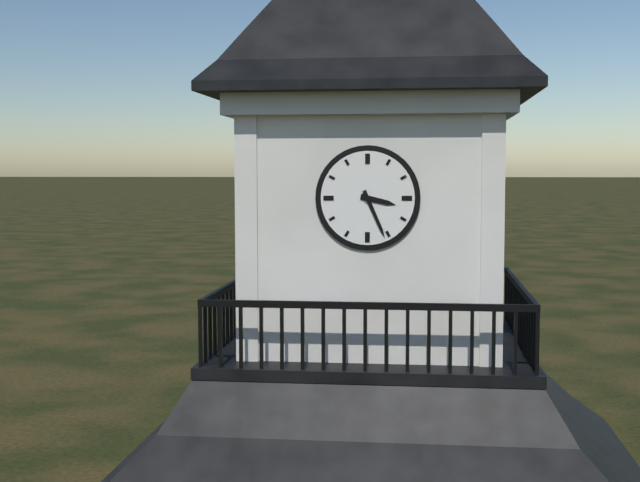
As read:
**3:26**
